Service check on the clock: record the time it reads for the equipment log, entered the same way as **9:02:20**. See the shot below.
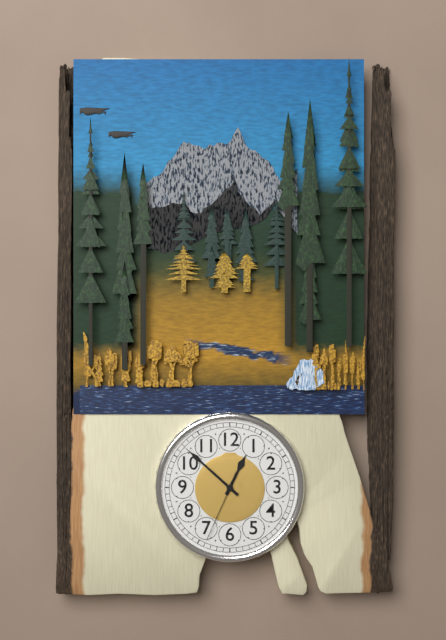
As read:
**12:52:34**
